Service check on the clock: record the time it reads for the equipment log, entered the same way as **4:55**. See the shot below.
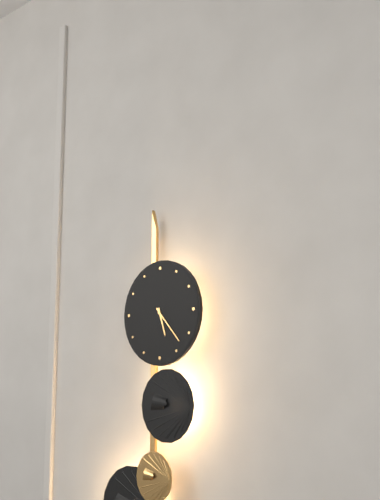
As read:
**5:23**
